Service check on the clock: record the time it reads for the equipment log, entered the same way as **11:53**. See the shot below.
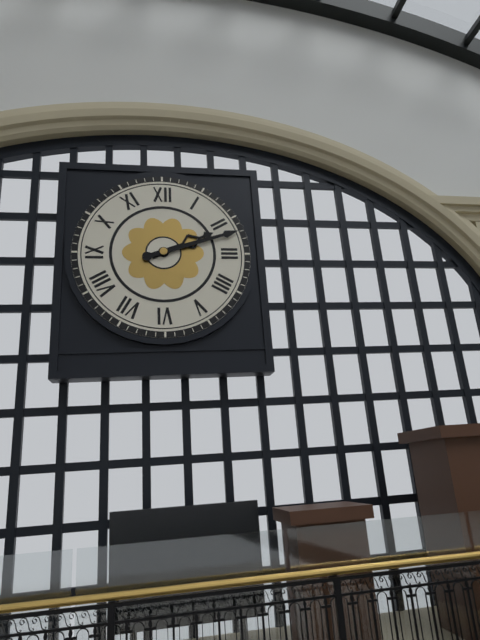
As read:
**2:12**
